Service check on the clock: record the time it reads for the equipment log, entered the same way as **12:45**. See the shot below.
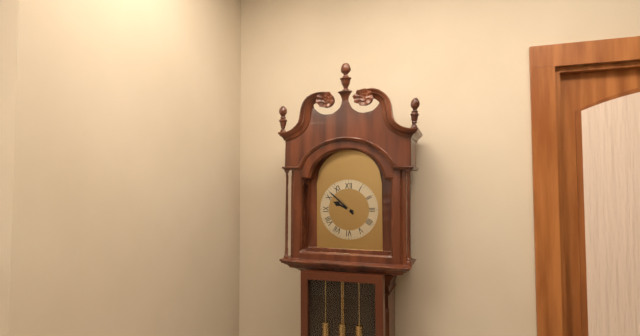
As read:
**9:52**
